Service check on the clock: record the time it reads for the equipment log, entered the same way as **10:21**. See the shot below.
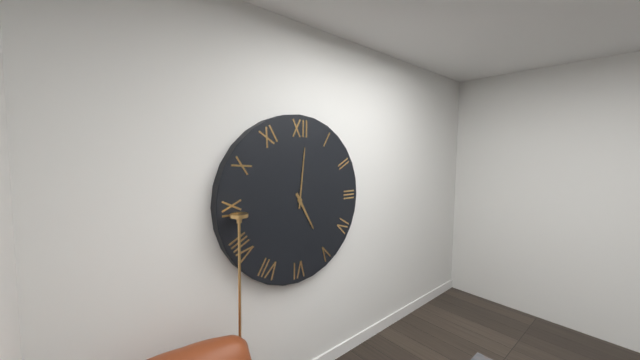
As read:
**5:01**
